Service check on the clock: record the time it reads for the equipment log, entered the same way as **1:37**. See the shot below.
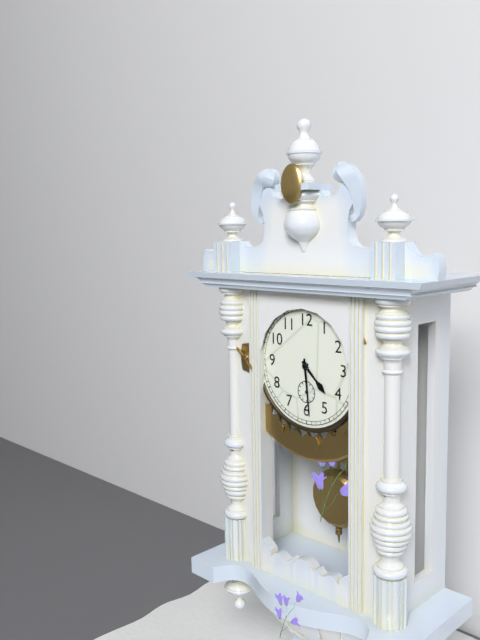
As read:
**4:29**
